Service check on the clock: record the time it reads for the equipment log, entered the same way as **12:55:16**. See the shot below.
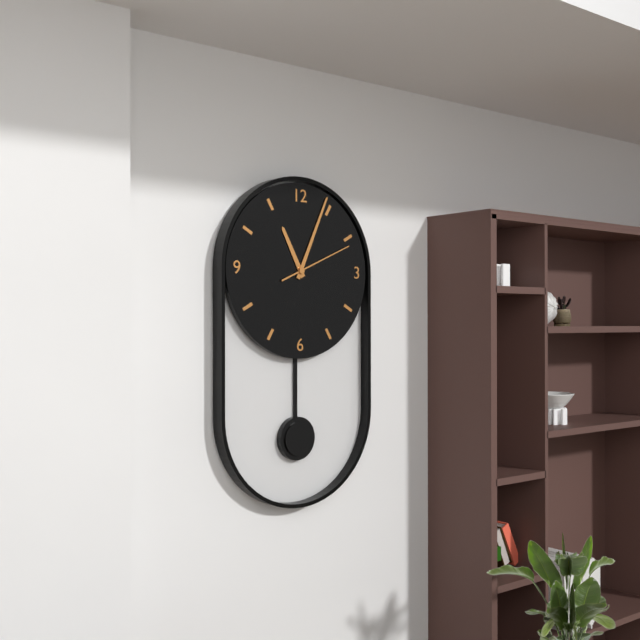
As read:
**11:04:11**
